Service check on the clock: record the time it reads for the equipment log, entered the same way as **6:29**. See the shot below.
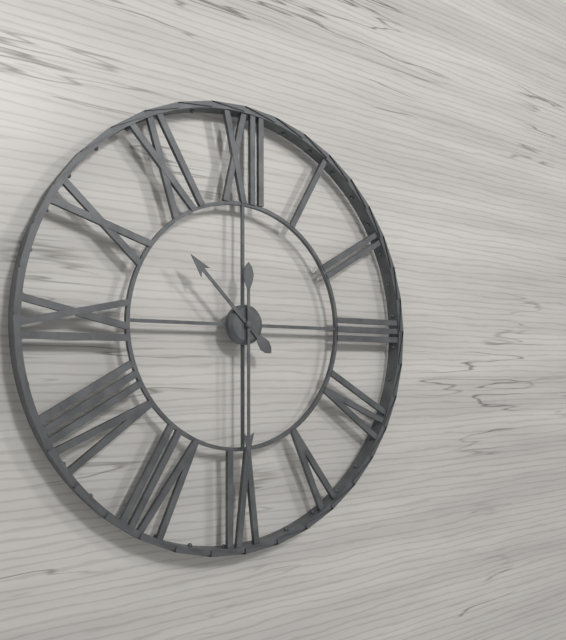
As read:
**10:30**
